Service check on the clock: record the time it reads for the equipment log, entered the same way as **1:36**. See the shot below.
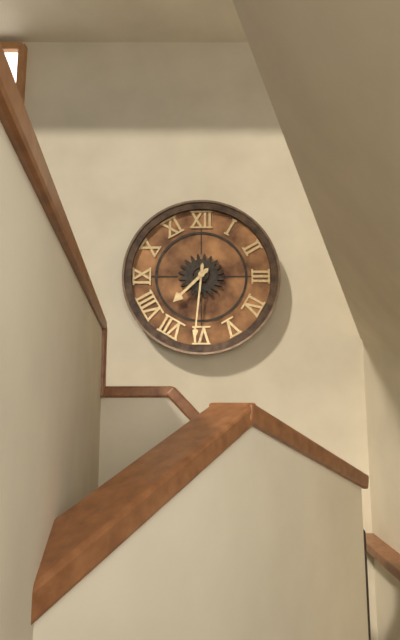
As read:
**7:31**
